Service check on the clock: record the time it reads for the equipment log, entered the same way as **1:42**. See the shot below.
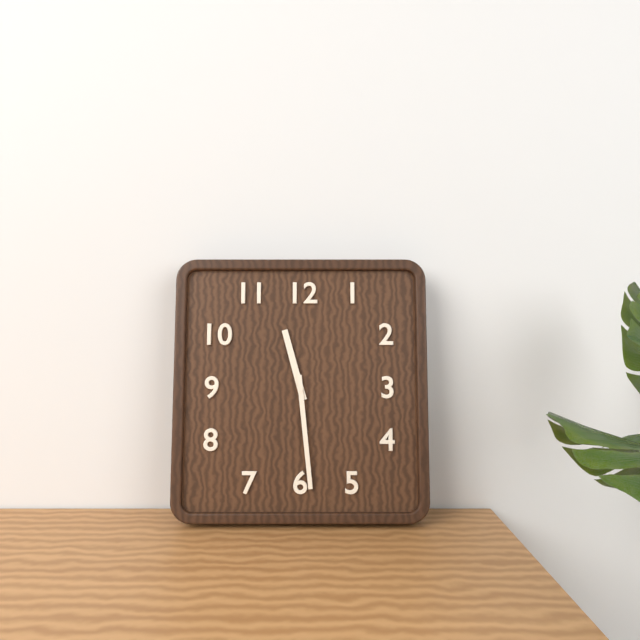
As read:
**11:29**
